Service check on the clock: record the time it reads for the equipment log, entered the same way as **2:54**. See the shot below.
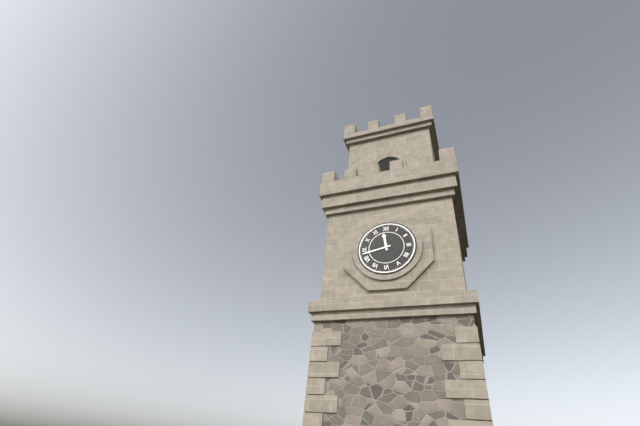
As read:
**11:43**
